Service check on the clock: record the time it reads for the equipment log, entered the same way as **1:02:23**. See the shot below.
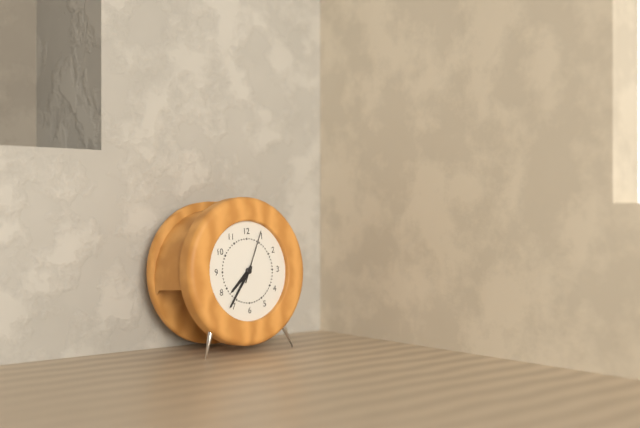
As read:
**7:36:04**
